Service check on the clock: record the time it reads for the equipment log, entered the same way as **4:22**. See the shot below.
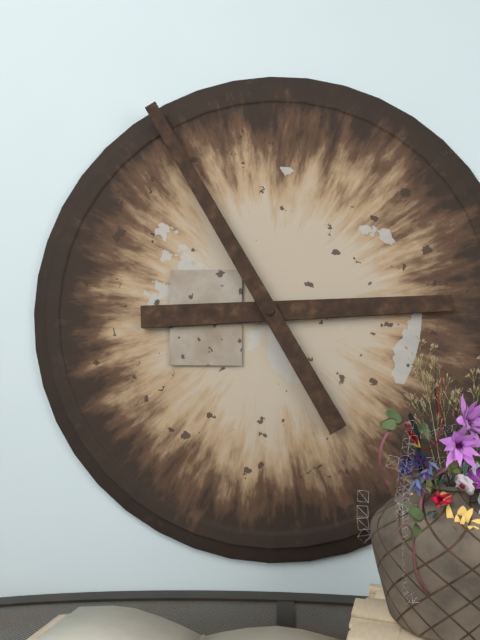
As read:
**2:55**
